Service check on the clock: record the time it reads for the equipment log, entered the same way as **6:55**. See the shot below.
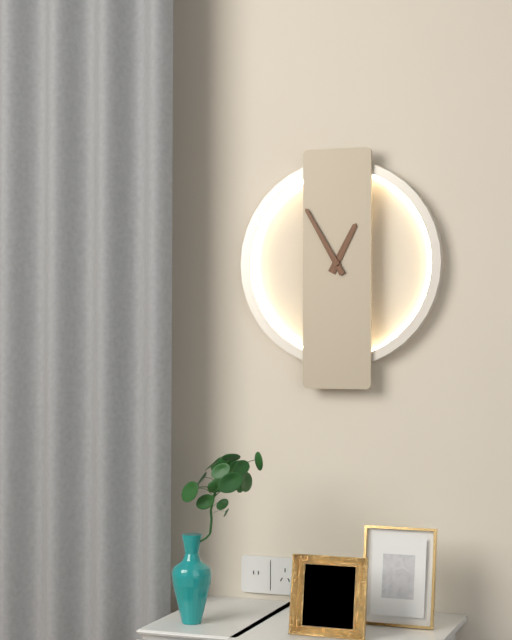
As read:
**12:55**
